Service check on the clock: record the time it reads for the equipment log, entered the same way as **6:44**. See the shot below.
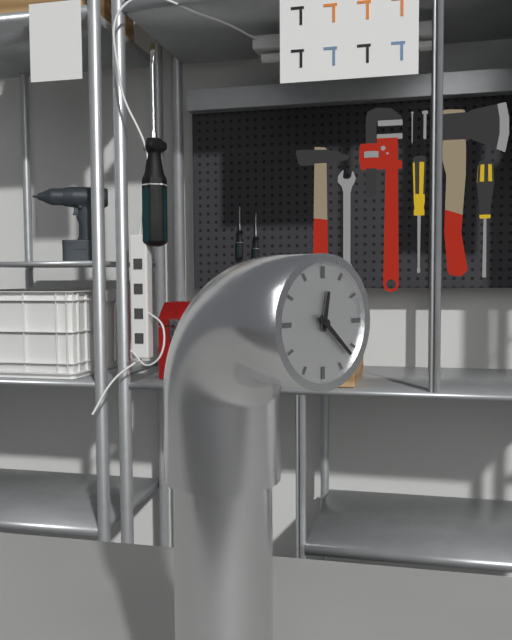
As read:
**12:22**
